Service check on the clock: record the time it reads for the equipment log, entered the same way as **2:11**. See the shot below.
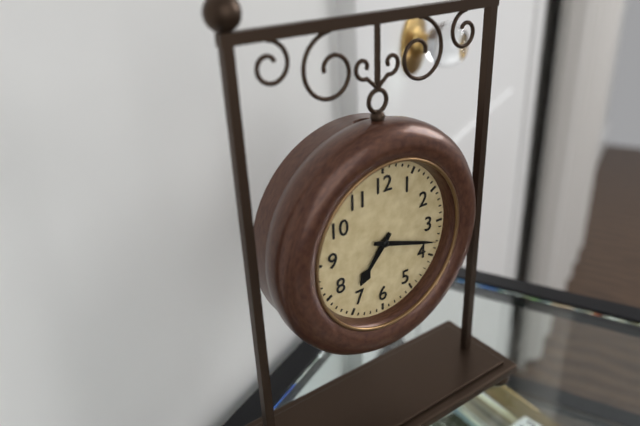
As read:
**7:18**
